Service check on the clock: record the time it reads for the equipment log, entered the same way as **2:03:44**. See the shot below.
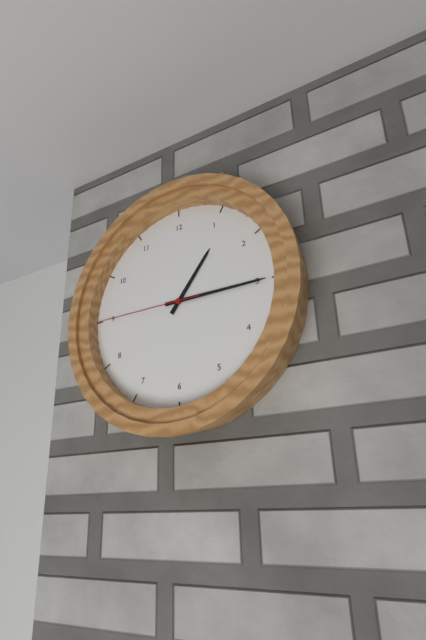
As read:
**1:15:45**
